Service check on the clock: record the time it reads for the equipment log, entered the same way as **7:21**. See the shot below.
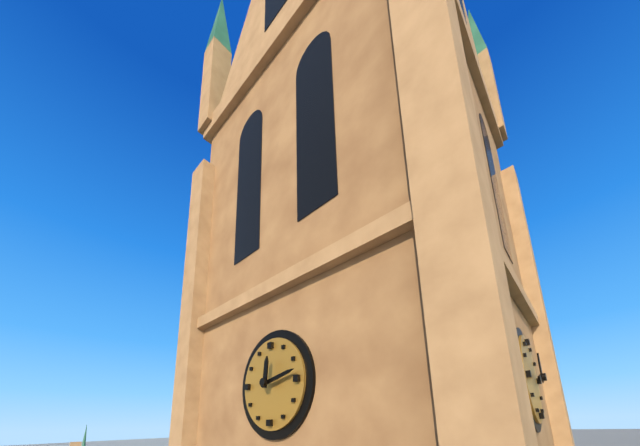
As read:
**12:13**
